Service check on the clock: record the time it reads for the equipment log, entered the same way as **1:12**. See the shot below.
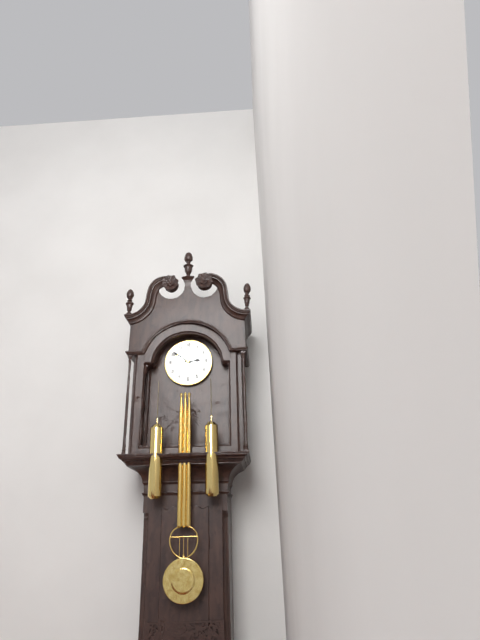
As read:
**2:51**
